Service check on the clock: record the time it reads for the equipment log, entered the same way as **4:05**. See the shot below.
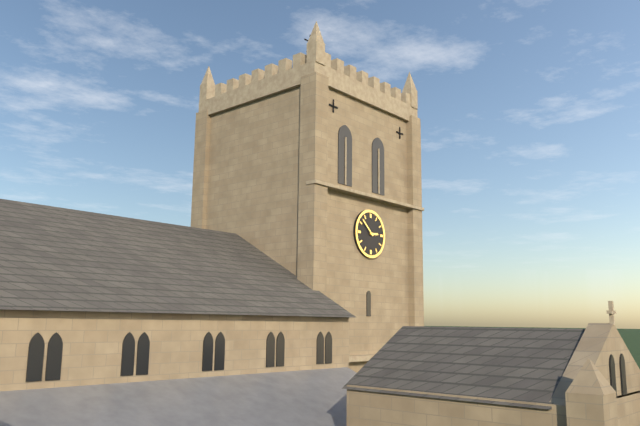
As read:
**2:52**
